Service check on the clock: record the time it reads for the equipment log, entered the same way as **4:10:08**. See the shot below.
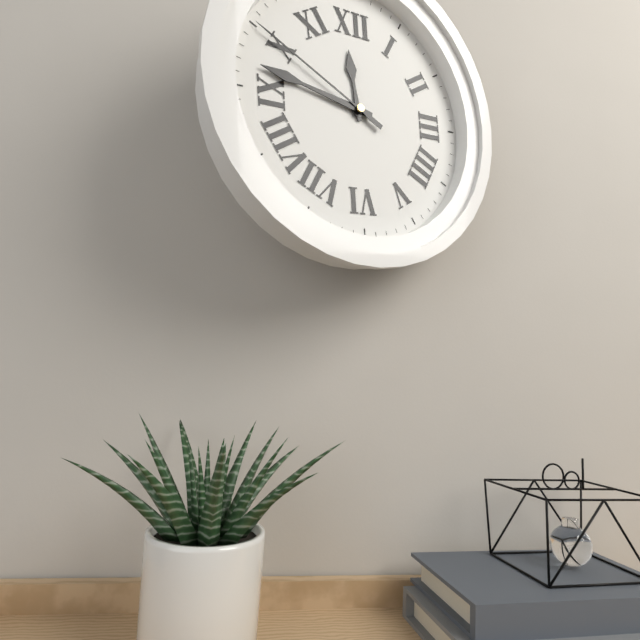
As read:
**11:47:50**
